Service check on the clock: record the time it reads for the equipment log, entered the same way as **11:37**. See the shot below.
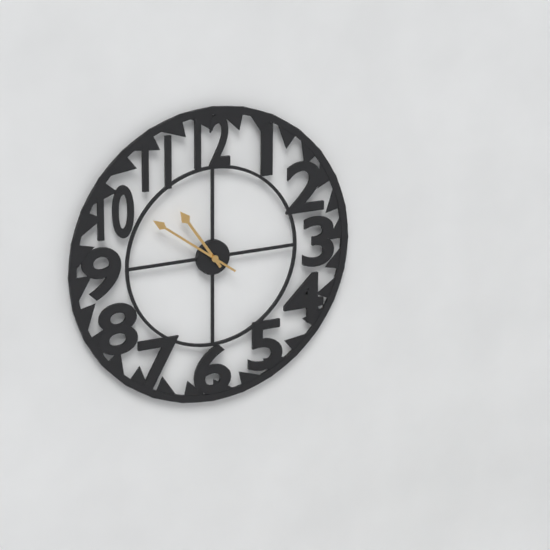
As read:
**10:51**
